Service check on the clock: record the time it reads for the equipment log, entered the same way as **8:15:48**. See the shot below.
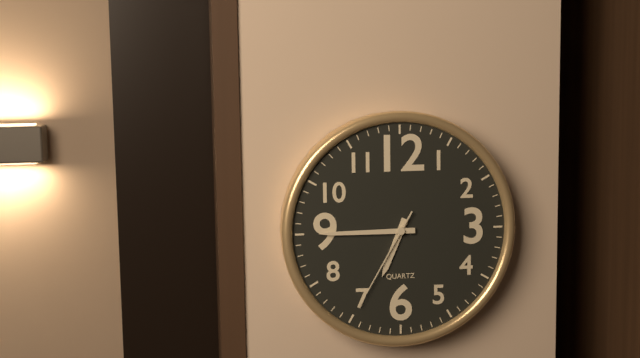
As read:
**6:45:35**
